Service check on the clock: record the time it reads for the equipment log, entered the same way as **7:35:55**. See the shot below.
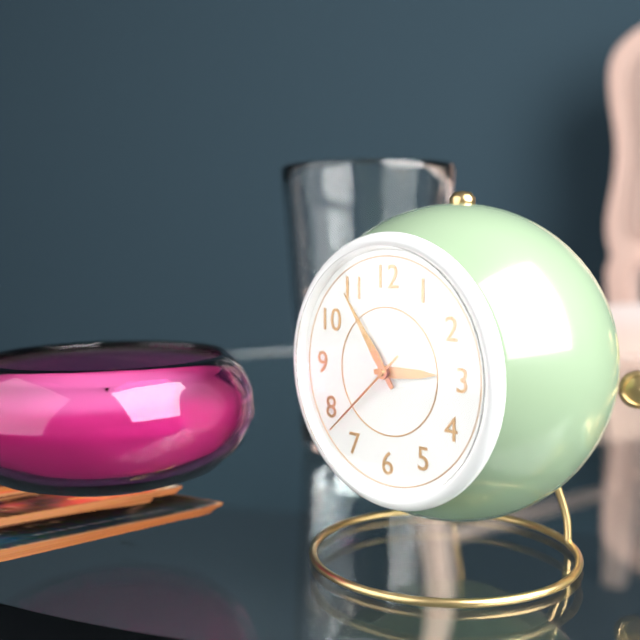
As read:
**2:54:38**
